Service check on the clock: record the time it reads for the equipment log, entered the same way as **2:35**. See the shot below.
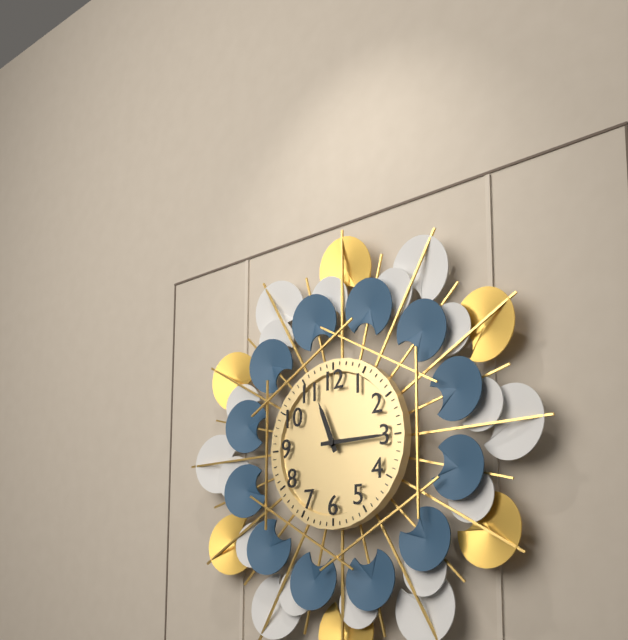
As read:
**11:15**
